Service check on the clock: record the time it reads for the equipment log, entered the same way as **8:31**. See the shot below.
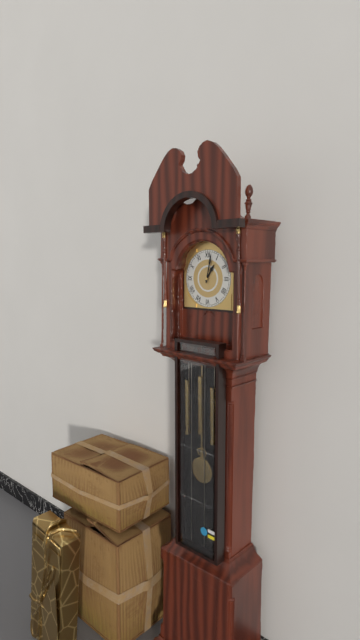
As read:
**1:02**
